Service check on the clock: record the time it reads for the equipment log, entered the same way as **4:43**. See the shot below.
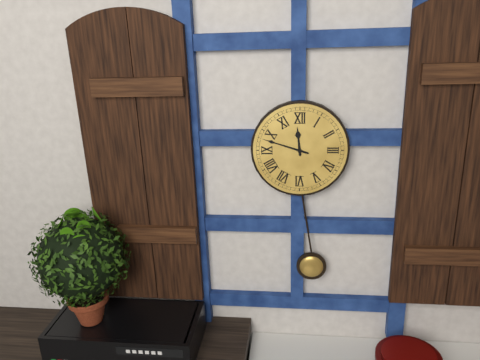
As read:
**11:48**
